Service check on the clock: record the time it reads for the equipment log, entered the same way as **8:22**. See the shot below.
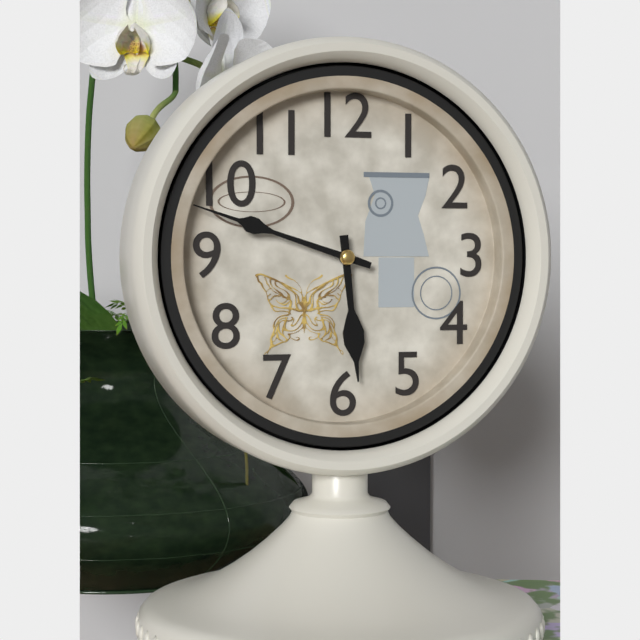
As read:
**5:48**
